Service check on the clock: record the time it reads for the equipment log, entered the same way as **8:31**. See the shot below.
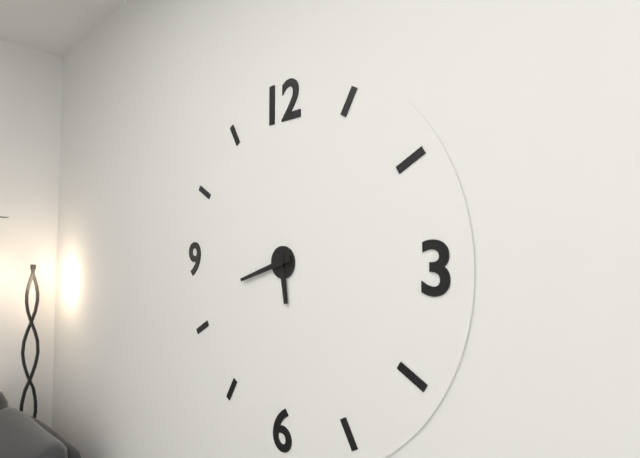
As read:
**5:42**
